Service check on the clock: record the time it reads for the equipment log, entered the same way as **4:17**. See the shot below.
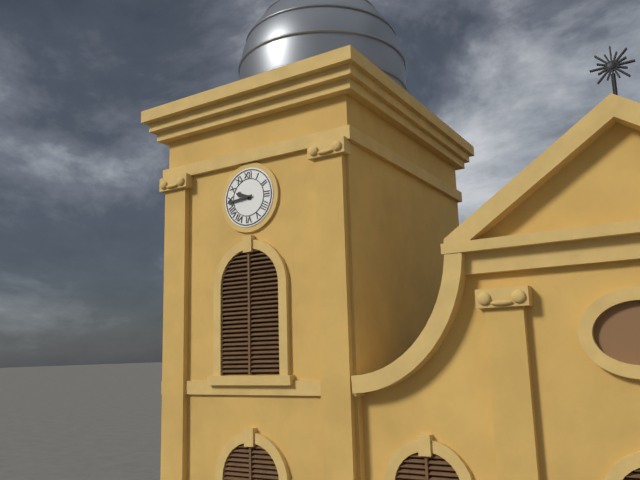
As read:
**9:44**
